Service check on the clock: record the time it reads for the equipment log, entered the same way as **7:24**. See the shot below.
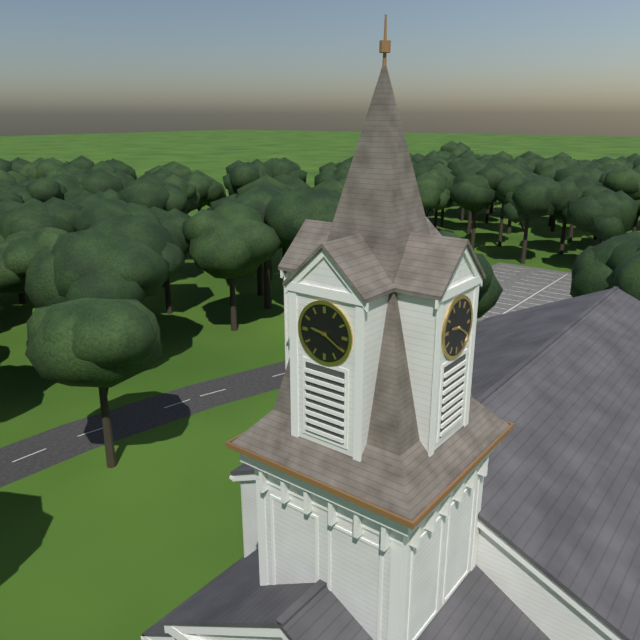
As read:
**9:20**
